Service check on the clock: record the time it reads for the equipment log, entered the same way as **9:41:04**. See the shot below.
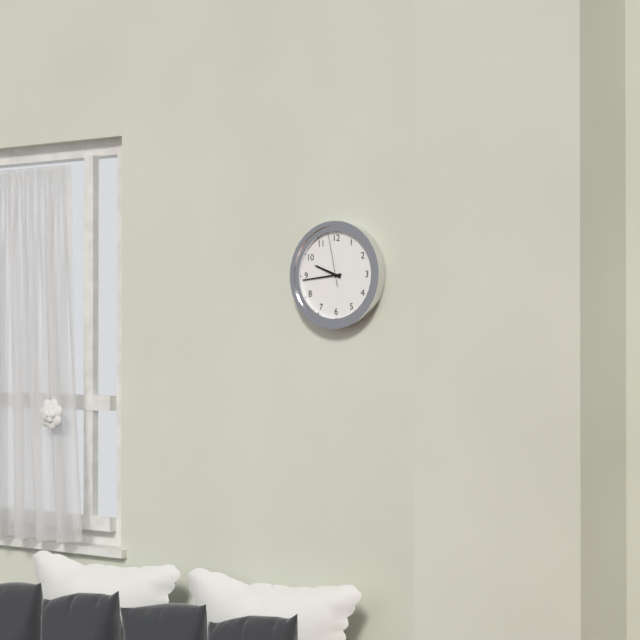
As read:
**9:44:58**
